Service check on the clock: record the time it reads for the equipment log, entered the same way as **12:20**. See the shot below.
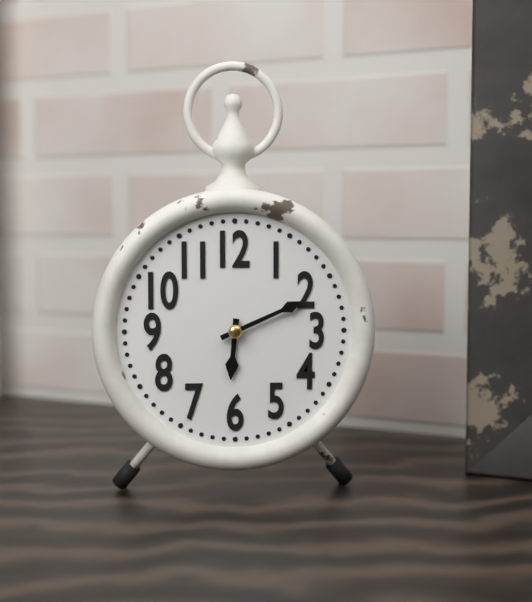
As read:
**6:11**
